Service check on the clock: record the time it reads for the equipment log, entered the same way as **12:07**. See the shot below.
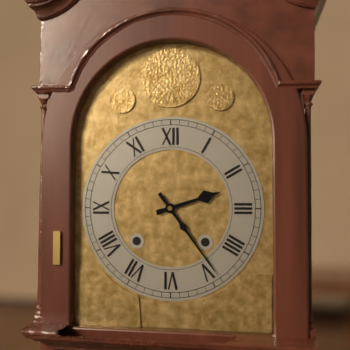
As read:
**2:24**
